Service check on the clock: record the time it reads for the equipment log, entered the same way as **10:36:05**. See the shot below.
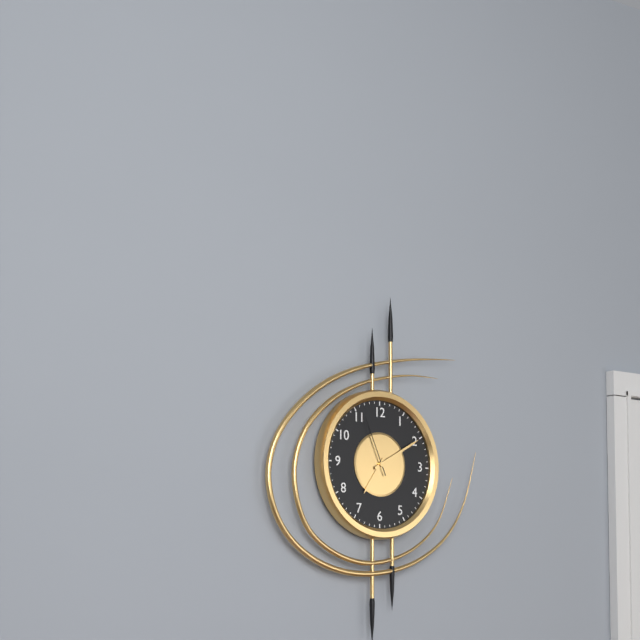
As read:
**7:10:56**
